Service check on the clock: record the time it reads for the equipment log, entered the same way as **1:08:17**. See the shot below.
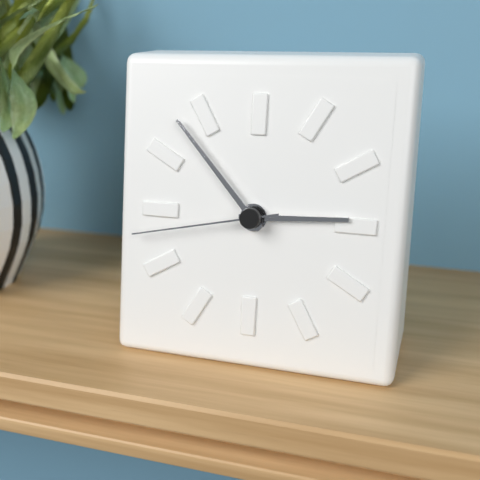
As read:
**2:53:43**
